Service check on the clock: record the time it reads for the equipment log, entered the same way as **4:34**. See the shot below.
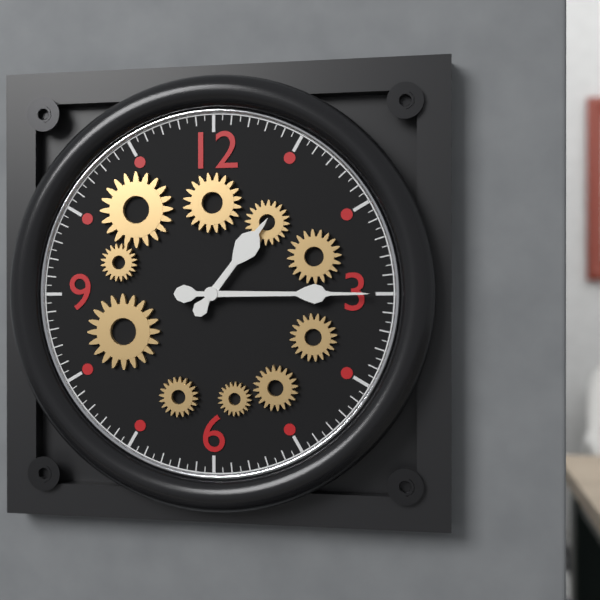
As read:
**1:15**
